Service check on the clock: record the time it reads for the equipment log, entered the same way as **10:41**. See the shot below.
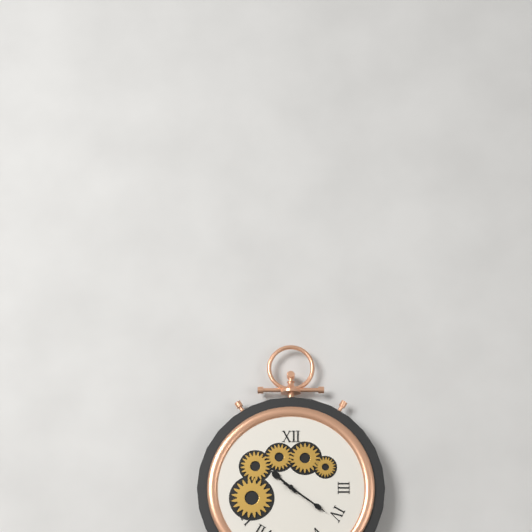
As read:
**10:21**
